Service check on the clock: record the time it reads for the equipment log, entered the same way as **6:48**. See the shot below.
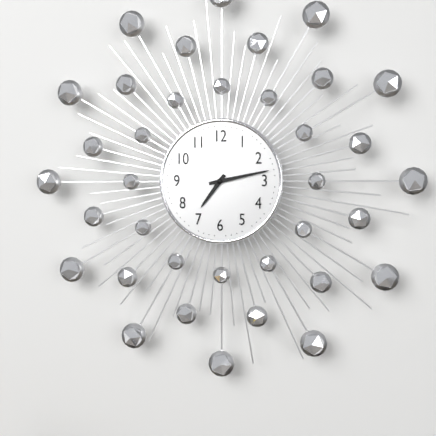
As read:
**7:13**
